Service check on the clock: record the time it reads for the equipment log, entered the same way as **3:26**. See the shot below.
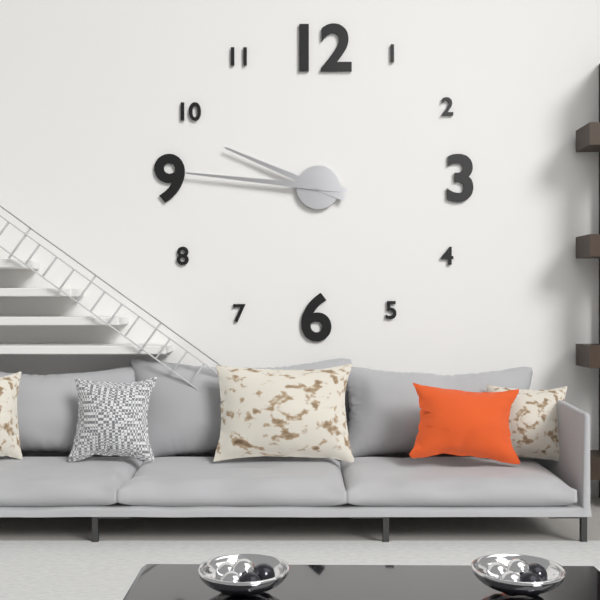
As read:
**9:46**
